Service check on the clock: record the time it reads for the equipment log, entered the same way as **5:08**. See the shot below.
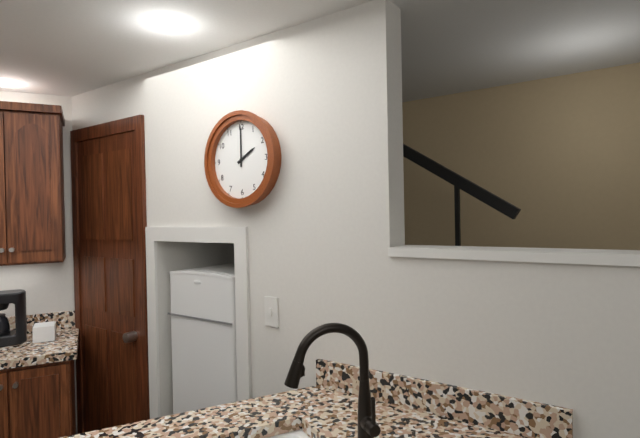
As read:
**2:00**
